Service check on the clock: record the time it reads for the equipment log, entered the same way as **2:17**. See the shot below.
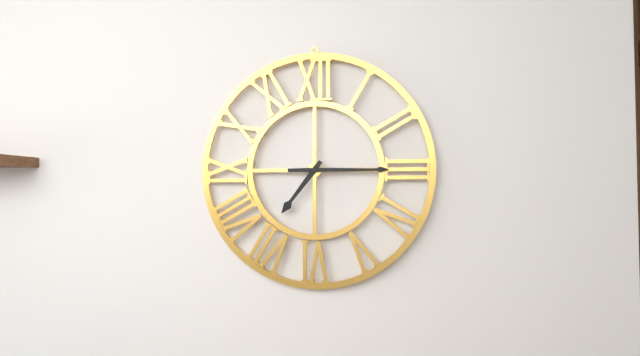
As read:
**7:15**
